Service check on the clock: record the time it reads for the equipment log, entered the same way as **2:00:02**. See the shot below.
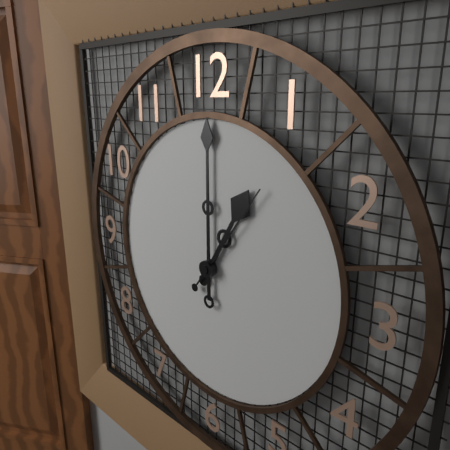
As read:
**1:00:06**
